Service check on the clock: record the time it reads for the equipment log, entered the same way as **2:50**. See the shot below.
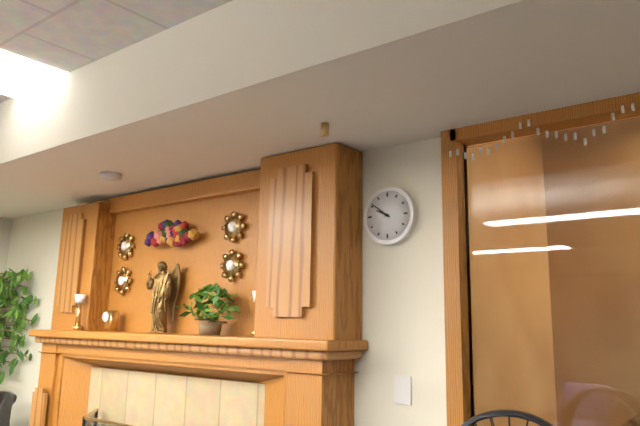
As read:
**9:51**
